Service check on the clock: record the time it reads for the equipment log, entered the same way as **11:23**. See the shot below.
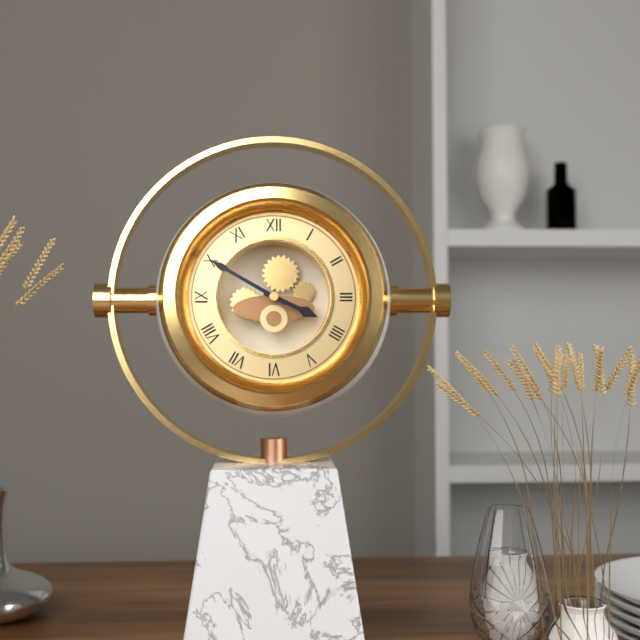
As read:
**3:50**
